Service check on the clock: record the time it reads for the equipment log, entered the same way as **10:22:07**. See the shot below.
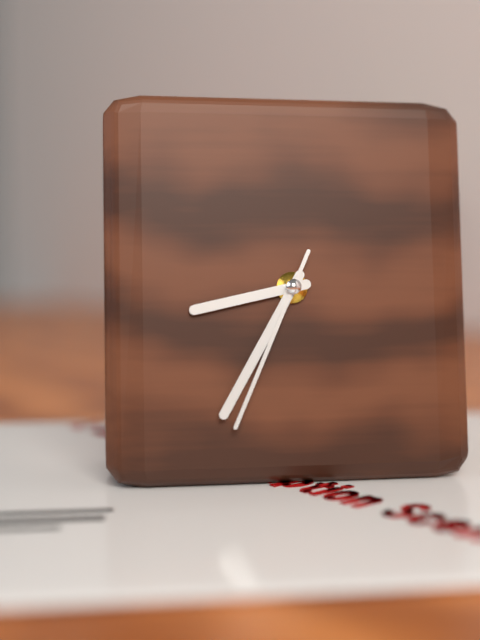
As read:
**8:35:34**
